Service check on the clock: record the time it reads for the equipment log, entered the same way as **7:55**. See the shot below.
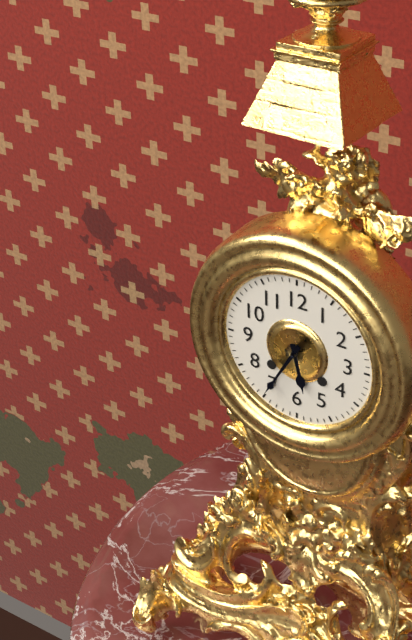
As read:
**5:35**
